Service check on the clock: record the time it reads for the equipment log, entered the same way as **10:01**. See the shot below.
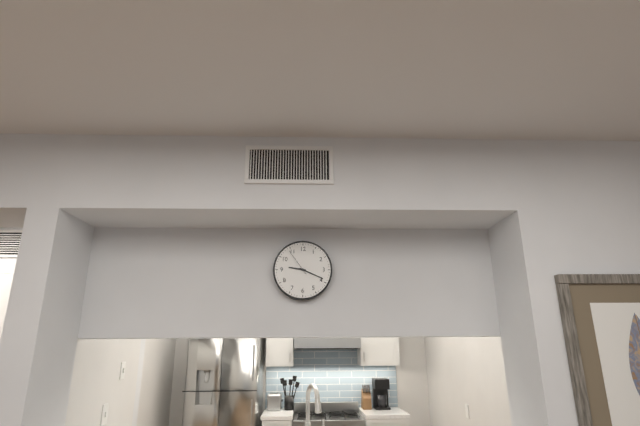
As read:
**9:19**
